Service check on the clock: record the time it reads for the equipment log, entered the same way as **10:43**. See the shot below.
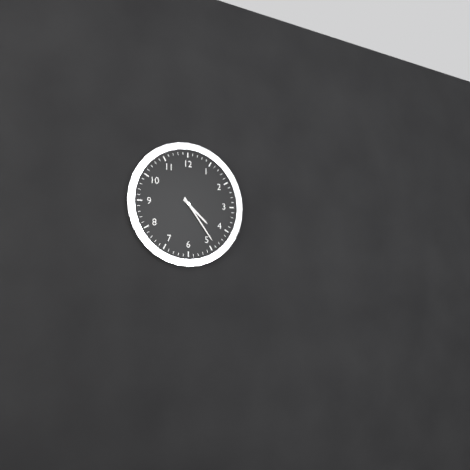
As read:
**4:24**
